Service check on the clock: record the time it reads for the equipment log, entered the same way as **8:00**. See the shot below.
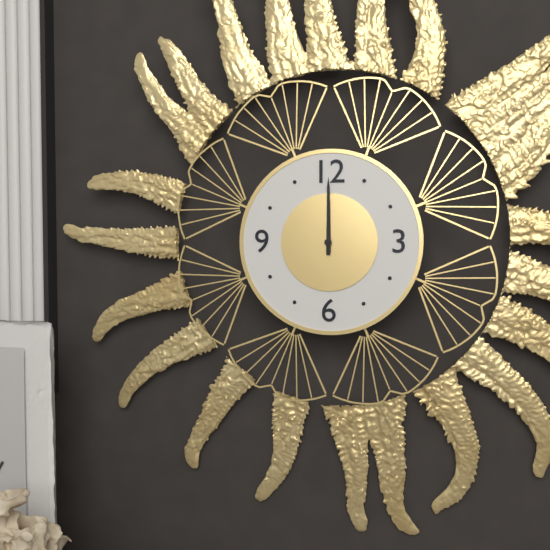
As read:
**12:00**
